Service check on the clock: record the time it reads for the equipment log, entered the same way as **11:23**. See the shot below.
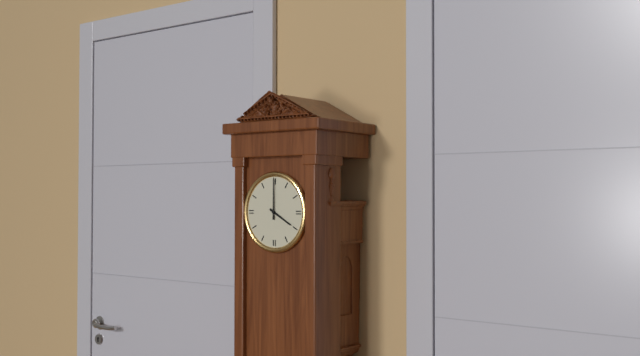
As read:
**4:00**
